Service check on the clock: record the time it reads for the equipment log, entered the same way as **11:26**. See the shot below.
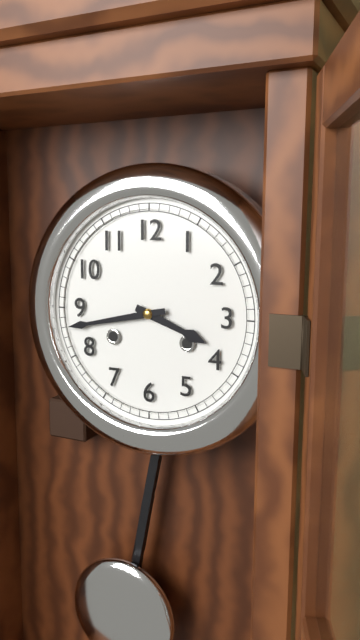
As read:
**3:43**
